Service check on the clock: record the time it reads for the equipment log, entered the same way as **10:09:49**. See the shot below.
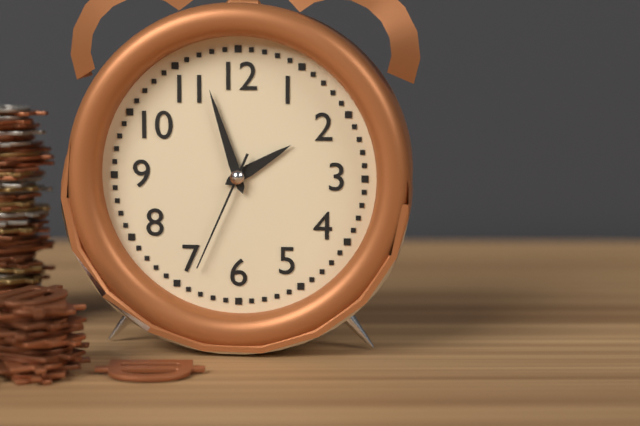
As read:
**1:57:34**
